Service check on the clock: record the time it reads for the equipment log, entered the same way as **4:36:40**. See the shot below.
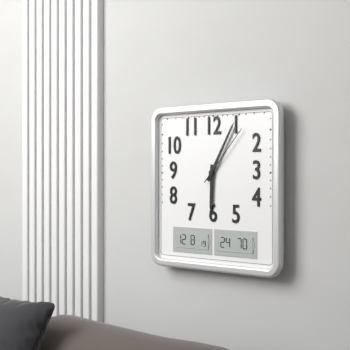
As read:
**6:05:07**
